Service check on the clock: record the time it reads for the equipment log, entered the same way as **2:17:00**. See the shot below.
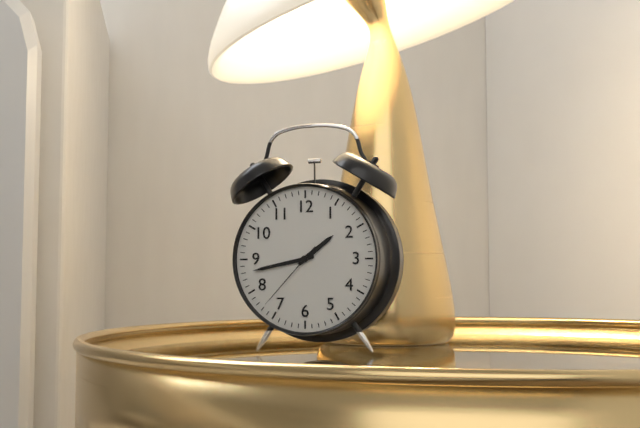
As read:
**1:43:37**
